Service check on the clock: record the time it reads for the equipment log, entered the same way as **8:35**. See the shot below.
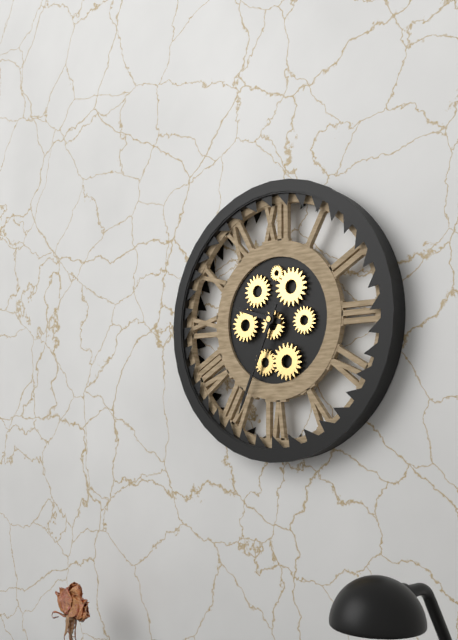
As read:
**9:34**
